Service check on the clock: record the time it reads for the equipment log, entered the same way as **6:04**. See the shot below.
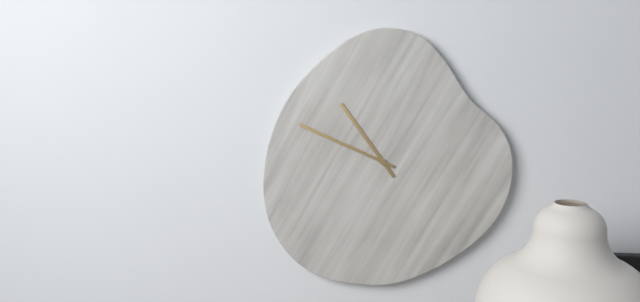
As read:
**10:49**
